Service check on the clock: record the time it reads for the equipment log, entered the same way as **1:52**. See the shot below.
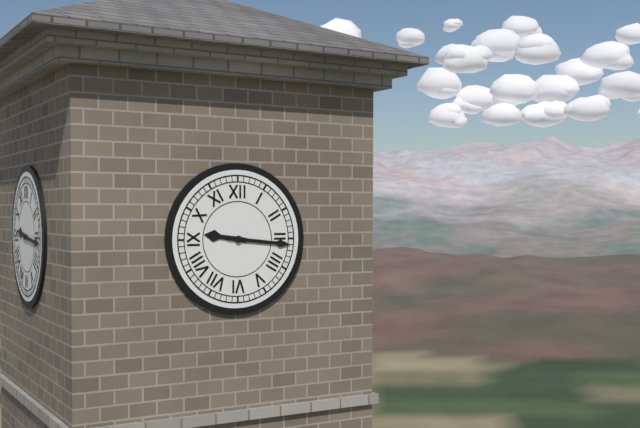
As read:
**9:16**
